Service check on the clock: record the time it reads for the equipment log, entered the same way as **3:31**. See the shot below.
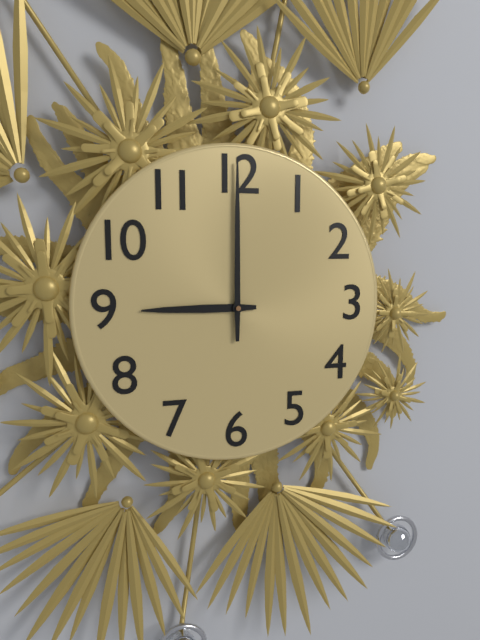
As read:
**9:00**
